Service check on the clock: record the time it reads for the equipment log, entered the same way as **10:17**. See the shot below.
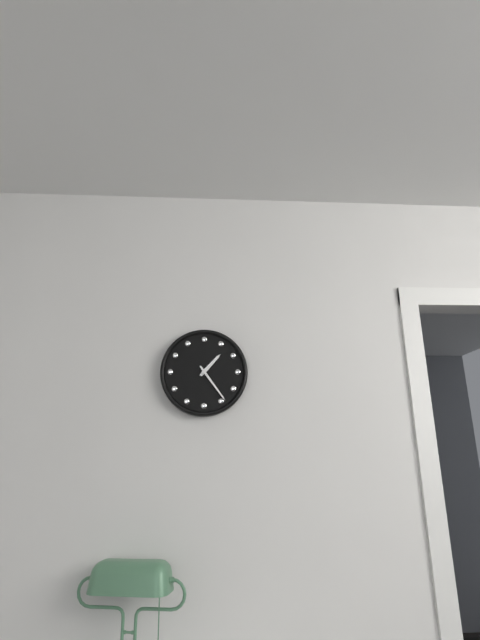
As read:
**1:24**
